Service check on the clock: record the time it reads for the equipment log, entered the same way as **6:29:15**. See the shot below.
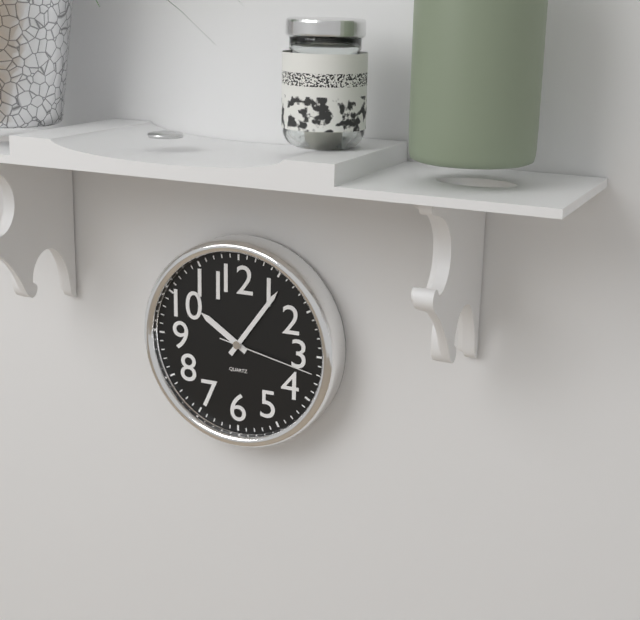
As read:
**10:06:17**
